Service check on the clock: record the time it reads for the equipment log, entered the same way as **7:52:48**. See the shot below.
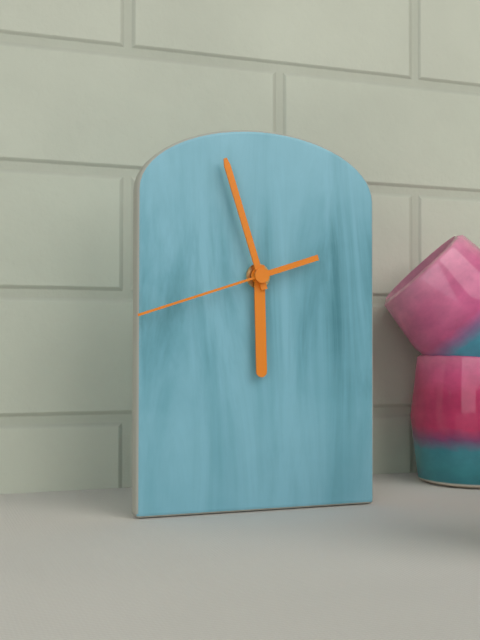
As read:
**5:57:42**
